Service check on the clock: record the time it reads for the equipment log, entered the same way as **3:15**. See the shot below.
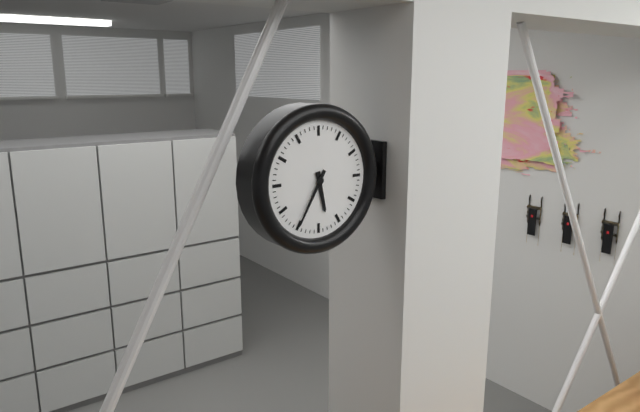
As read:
**5:35**
